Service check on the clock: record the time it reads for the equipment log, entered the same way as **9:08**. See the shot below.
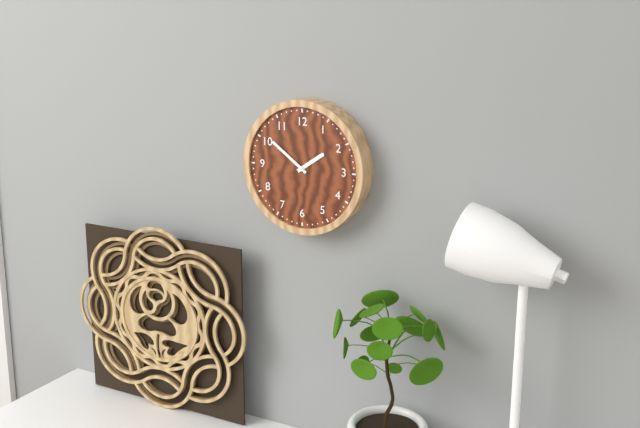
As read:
**1:51**
